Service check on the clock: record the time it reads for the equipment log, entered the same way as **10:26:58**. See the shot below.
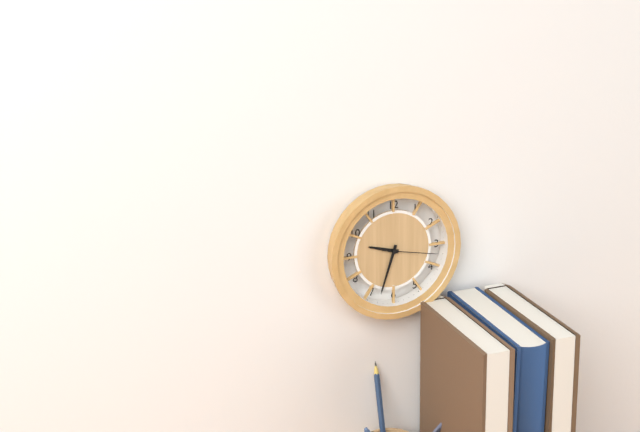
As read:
**9:33:17**
